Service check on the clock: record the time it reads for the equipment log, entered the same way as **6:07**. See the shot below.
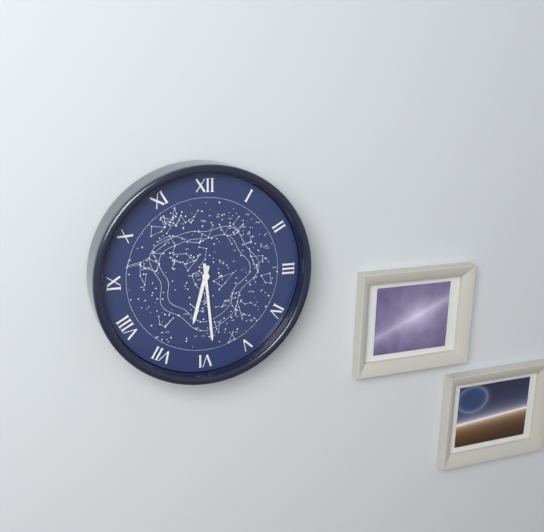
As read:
**6:29**
